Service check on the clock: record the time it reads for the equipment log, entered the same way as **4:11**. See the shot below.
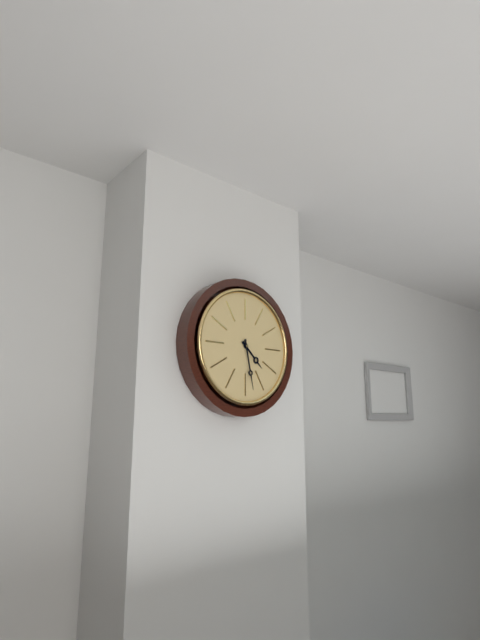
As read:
**4:28**
